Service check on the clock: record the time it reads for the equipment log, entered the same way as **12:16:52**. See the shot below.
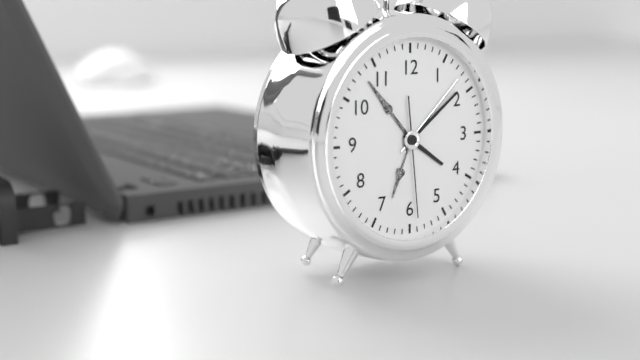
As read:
**4:09:29**
